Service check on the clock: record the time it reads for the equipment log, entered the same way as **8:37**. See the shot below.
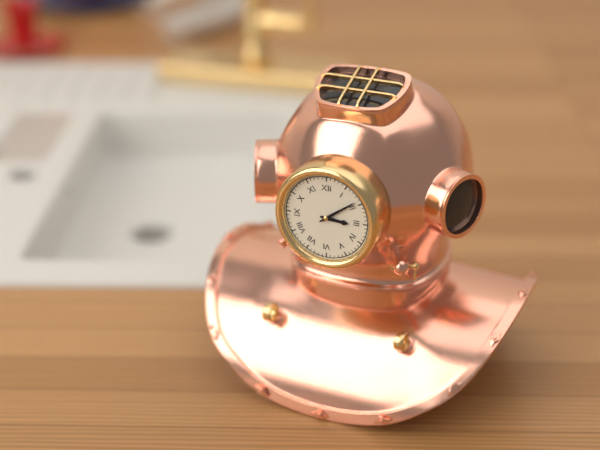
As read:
**3:09**
